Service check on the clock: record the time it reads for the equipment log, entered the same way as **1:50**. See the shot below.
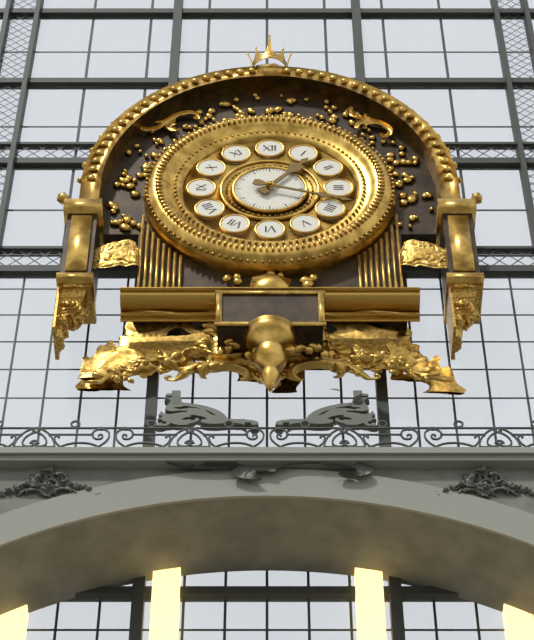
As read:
**1:18**
